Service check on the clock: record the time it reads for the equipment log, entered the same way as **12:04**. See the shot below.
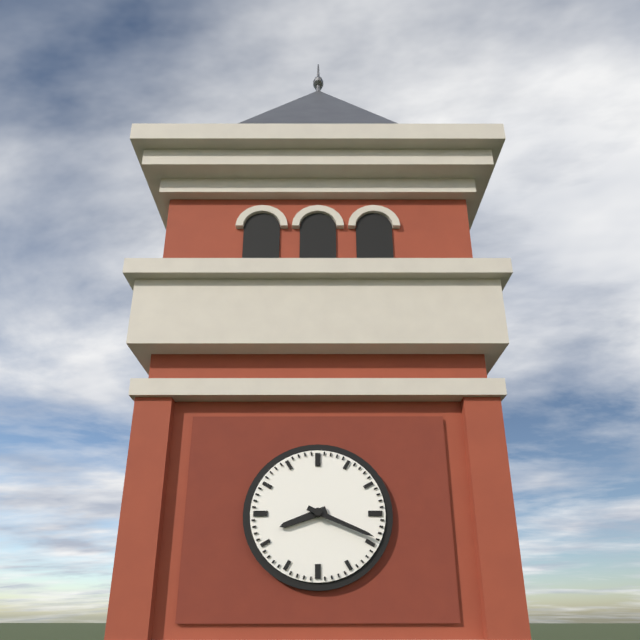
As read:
**8:19**
